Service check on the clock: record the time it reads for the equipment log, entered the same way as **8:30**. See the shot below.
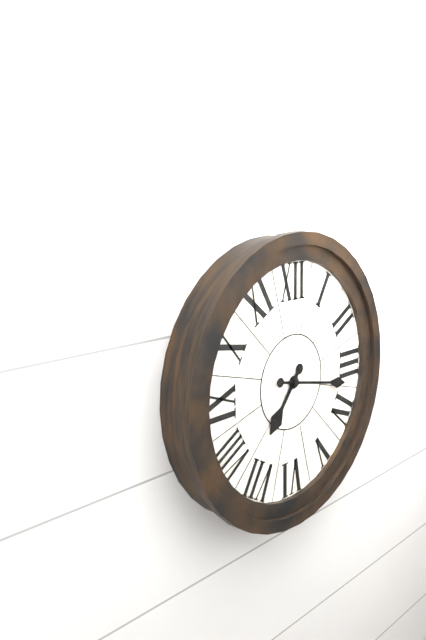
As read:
**7:17**
